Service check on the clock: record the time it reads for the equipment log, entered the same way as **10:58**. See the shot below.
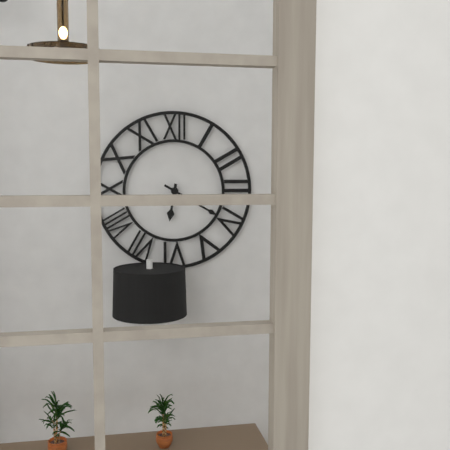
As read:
**6:20**
